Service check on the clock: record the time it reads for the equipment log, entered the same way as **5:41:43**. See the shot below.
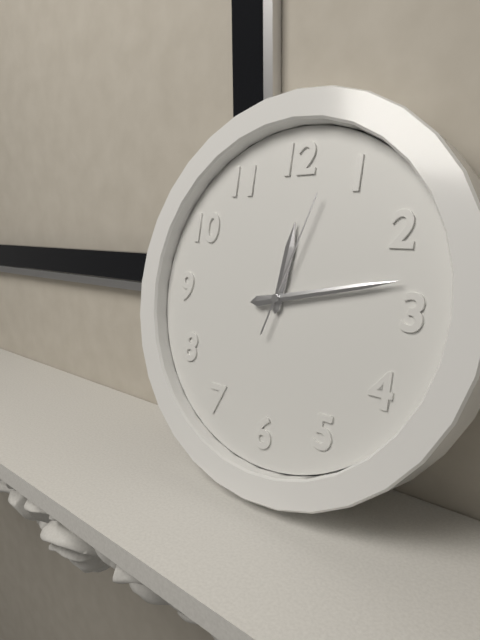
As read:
**12:13:03**
